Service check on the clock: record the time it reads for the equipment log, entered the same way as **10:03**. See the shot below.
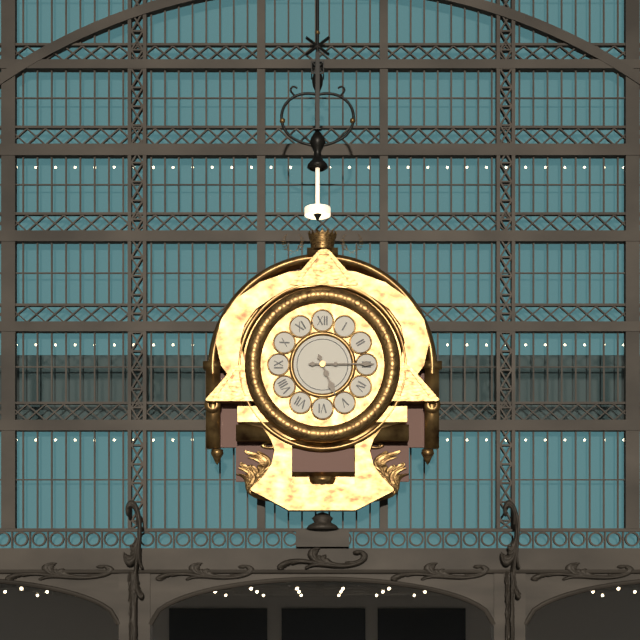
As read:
**5:15**
